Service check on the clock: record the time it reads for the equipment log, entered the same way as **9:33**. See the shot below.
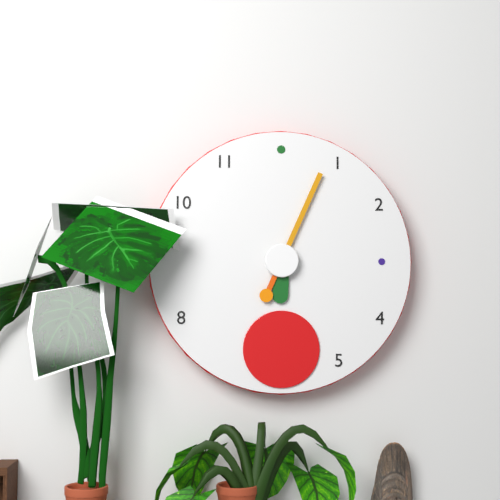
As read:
**6:04**
